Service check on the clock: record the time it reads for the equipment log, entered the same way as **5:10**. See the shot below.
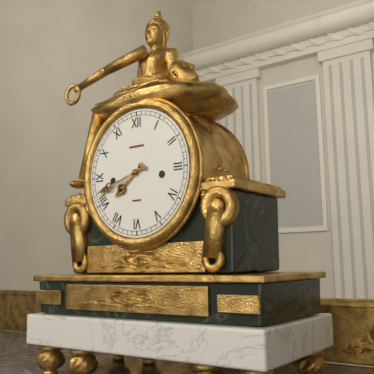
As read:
**7:42**
